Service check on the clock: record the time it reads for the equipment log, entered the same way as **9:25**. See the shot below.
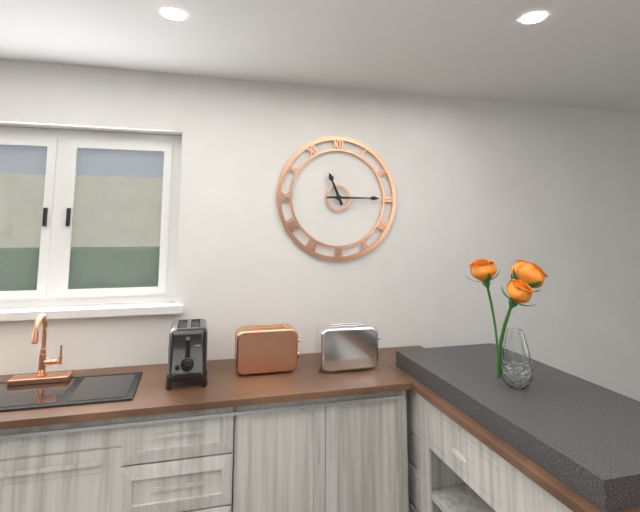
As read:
**11:15**
